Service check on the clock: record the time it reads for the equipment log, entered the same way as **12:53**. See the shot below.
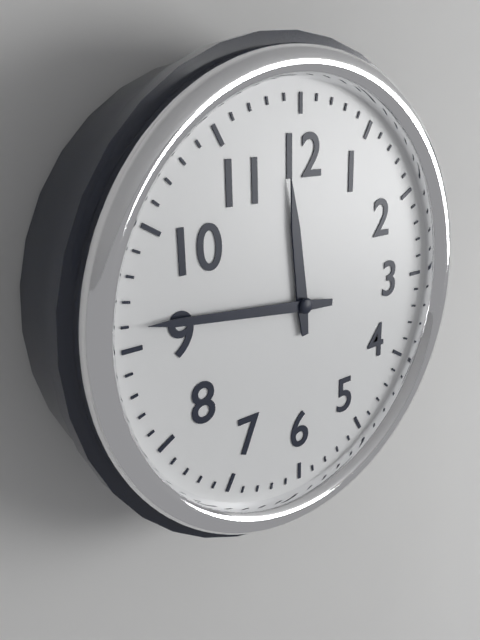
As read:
**11:46**
